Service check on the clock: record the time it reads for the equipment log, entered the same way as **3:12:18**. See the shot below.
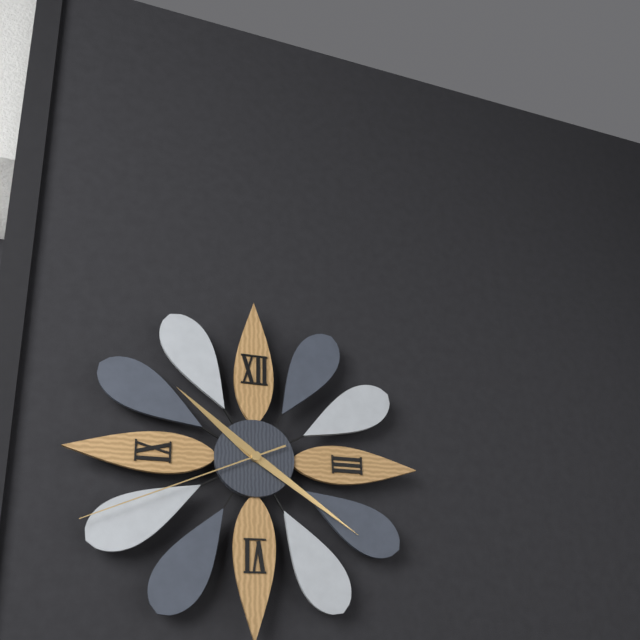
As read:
**10:21:41**
